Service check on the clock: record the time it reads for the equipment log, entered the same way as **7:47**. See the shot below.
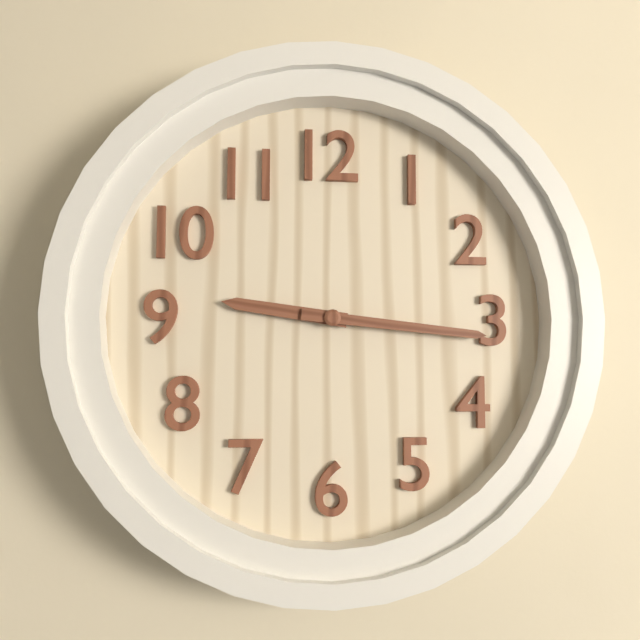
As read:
**9:16**
